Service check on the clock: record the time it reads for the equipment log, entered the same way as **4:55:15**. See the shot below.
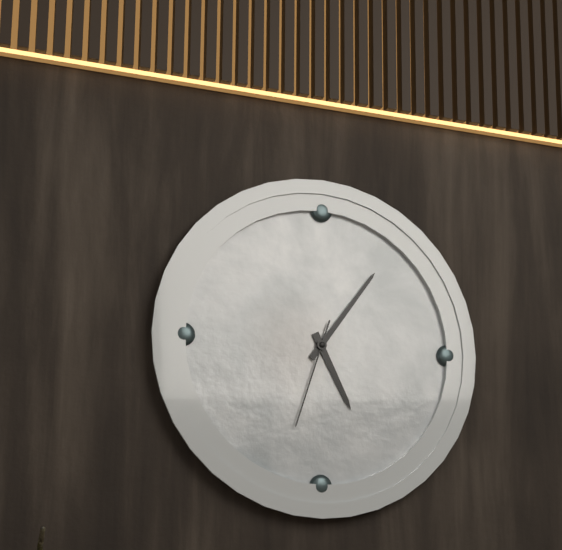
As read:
**5:06:33**
